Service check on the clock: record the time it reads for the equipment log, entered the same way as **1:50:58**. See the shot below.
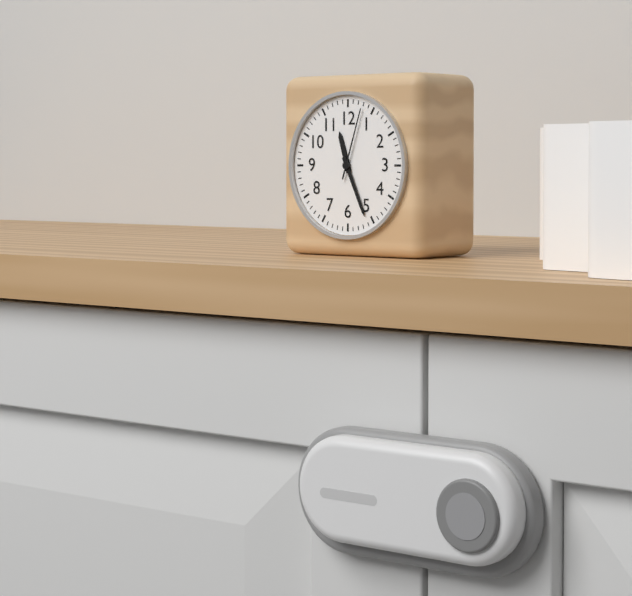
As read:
**11:26:03**
